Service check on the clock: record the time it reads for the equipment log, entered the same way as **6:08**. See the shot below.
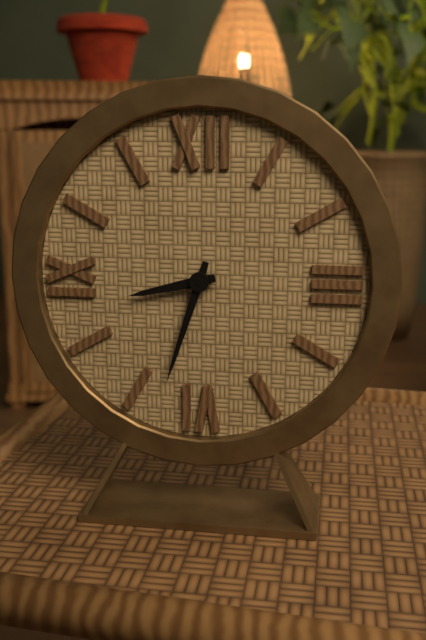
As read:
**8:33**
